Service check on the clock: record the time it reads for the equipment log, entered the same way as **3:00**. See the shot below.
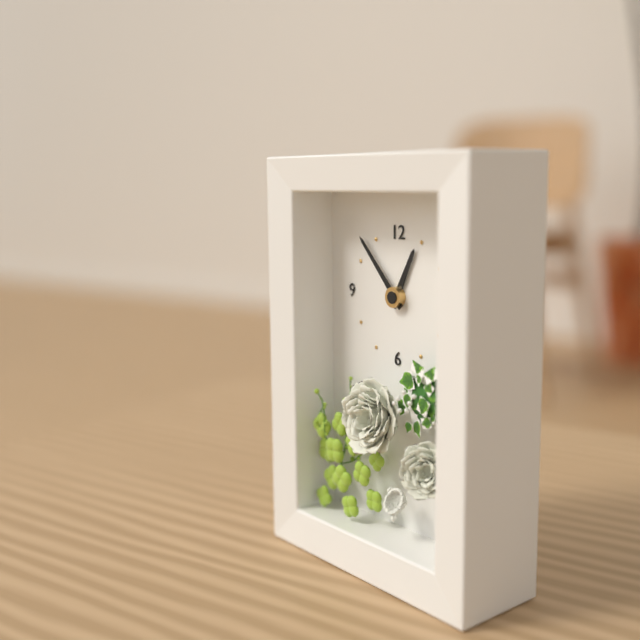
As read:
**12:53**
